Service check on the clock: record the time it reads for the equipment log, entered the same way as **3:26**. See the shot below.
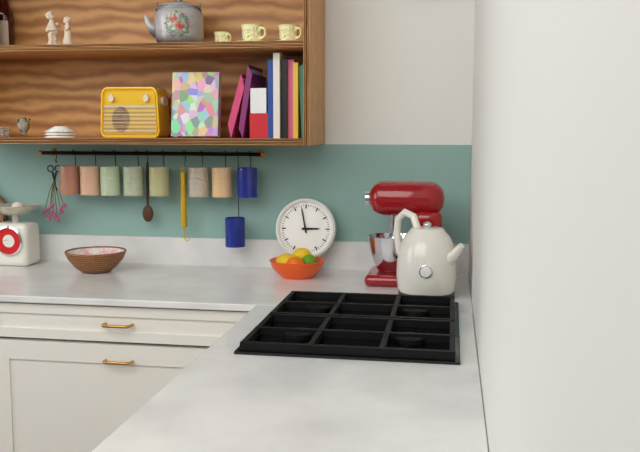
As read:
**2:58**
